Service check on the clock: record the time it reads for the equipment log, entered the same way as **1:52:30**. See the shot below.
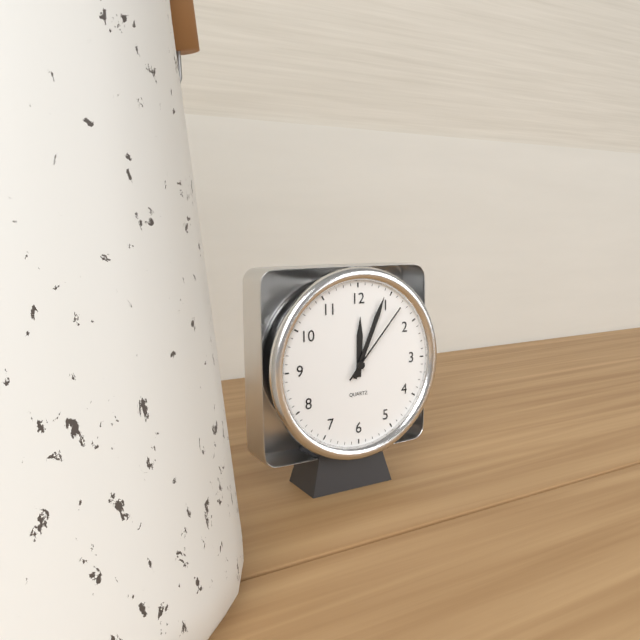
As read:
**12:04:07**
